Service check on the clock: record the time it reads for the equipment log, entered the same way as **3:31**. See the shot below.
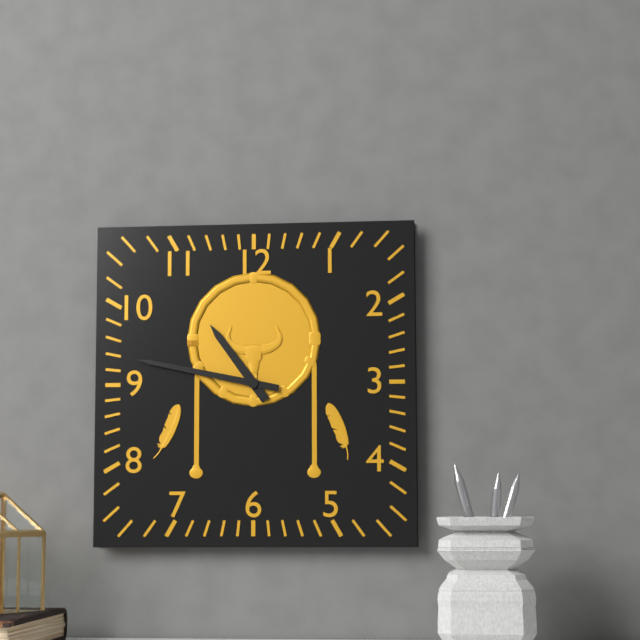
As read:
**10:47**
